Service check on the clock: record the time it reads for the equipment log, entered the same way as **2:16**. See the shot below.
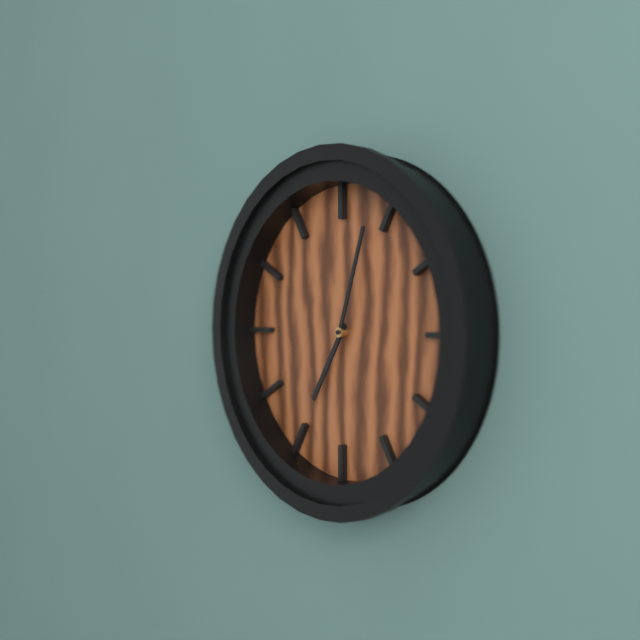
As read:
**7:03**
